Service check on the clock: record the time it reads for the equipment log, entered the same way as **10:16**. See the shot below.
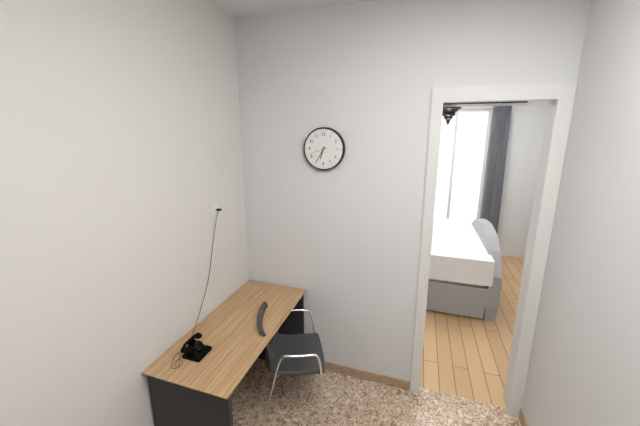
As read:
**6:35**
